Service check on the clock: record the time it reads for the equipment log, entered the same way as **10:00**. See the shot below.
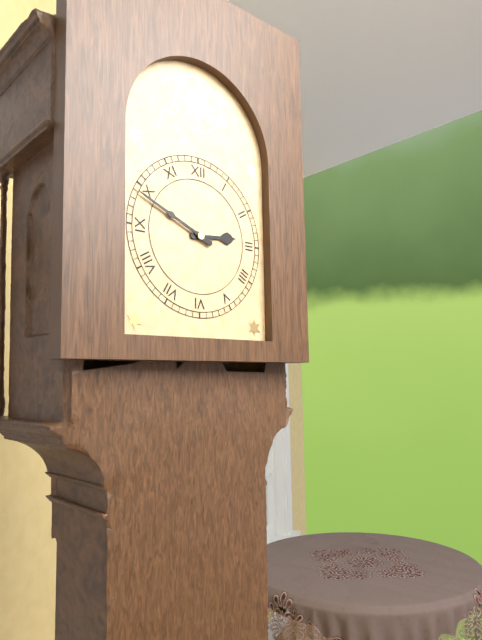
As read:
**2:49**
